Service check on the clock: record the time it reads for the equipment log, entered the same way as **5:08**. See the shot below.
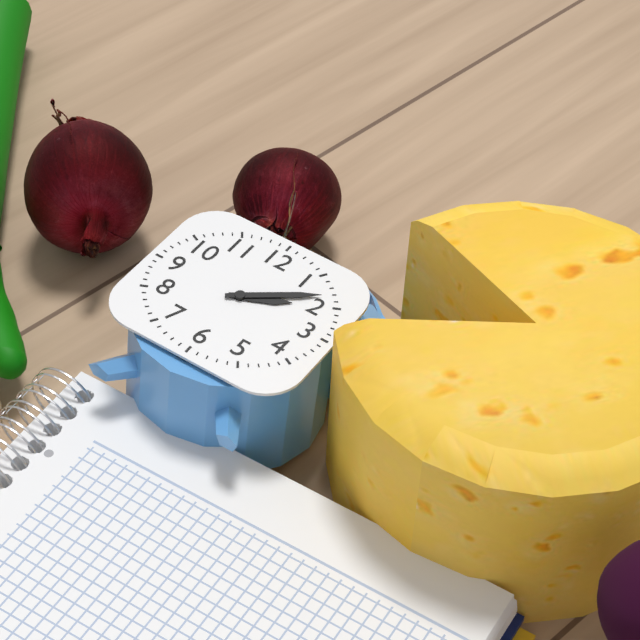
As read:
**2:09**
